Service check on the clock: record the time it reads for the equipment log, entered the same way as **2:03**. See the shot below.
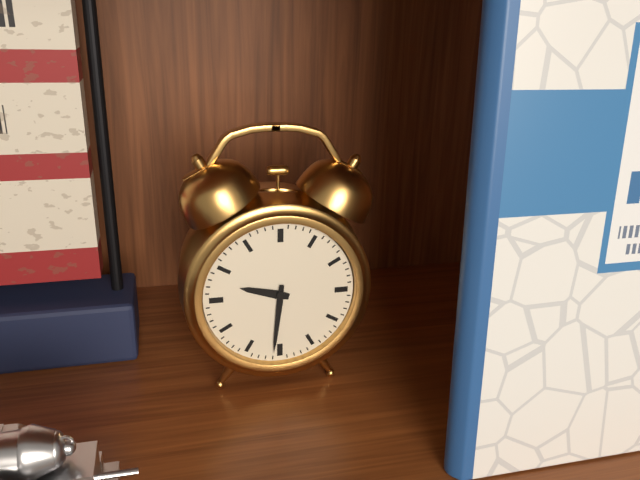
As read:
**9:31**
